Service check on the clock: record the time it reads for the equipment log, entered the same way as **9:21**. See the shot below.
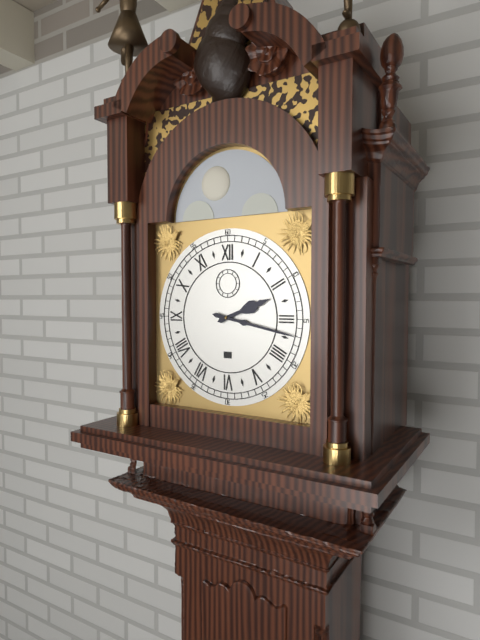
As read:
**2:17**
